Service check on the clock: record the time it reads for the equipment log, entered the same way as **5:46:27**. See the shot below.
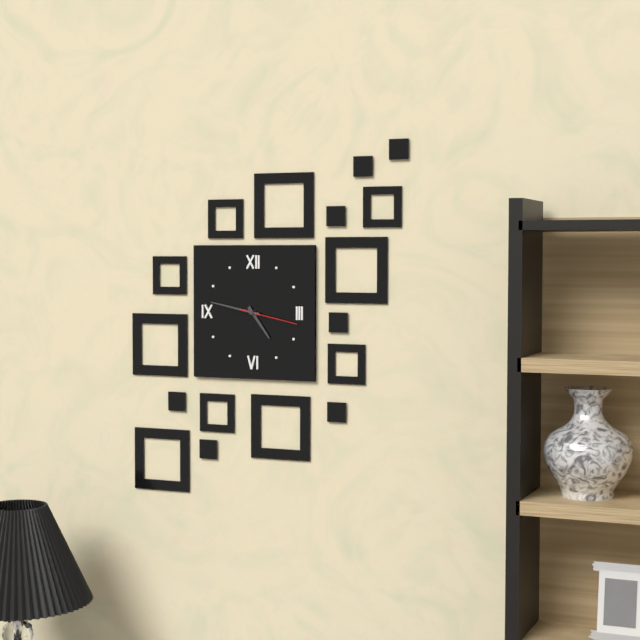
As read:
**4:47:17**
